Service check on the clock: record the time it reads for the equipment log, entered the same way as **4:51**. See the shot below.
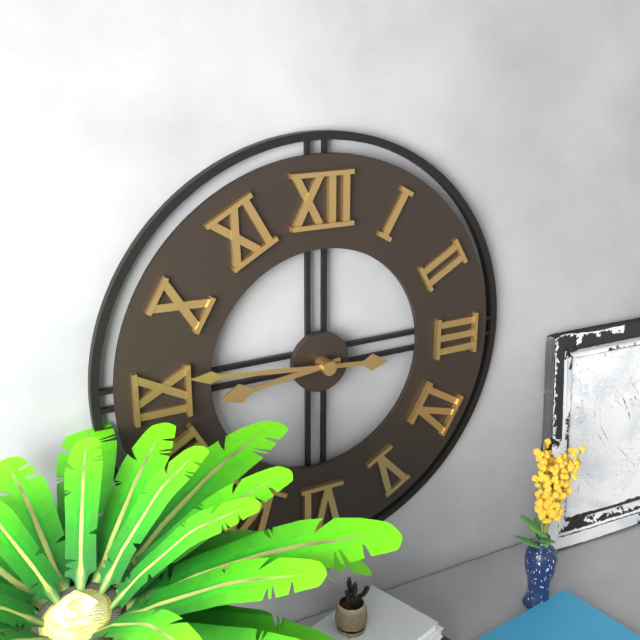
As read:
**8:46**
